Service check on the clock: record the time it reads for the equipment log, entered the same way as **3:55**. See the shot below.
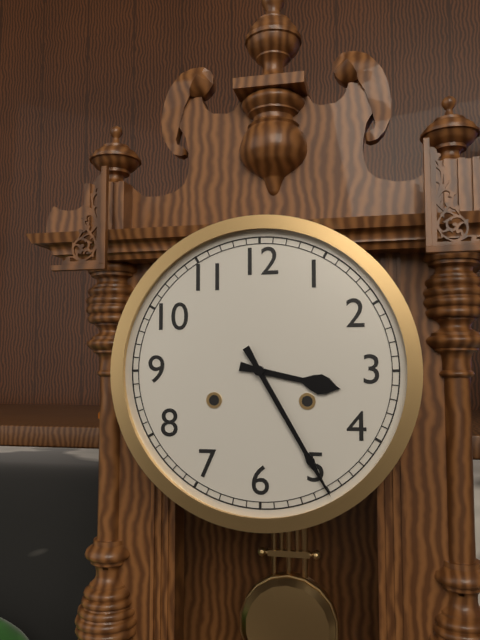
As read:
**3:25**
